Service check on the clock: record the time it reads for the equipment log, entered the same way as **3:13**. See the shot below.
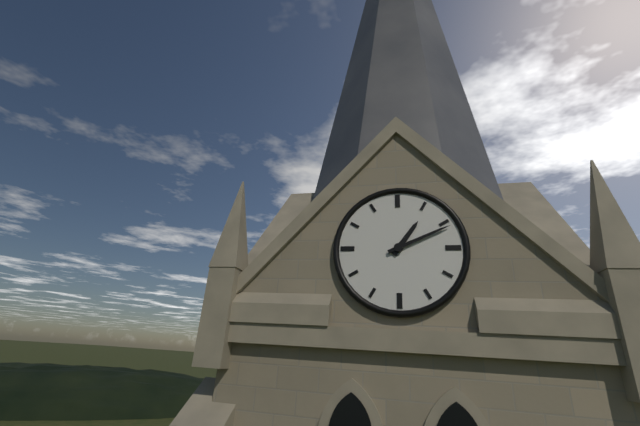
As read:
**1:11**
